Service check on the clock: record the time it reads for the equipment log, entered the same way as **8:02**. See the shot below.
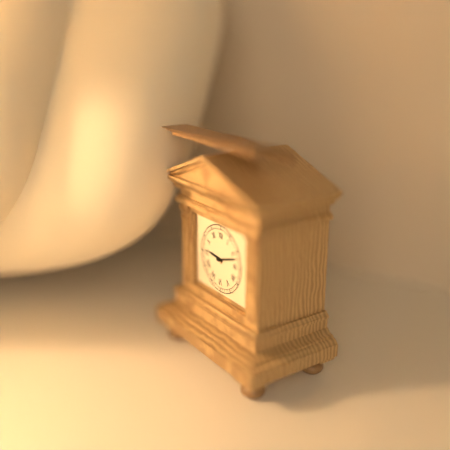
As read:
**9:12**
